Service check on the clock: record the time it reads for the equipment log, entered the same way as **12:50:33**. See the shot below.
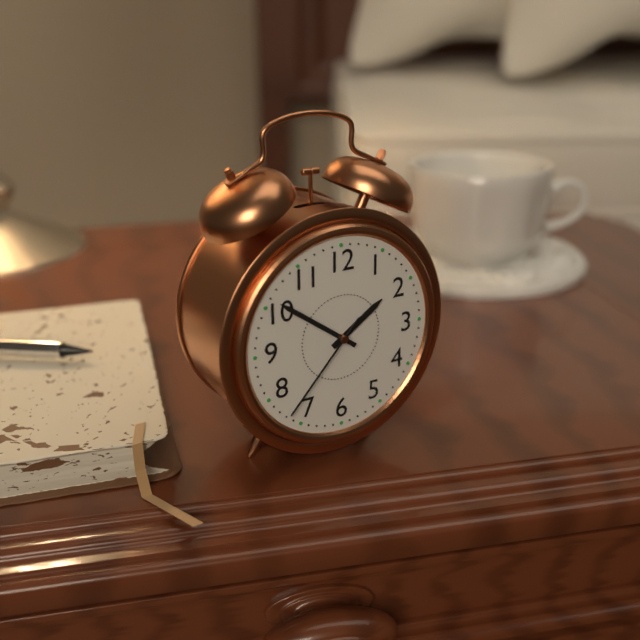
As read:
**1:51:37**
